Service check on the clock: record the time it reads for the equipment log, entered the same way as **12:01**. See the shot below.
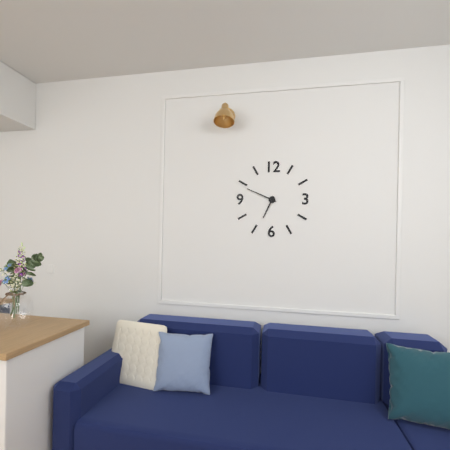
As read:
**6:49**
